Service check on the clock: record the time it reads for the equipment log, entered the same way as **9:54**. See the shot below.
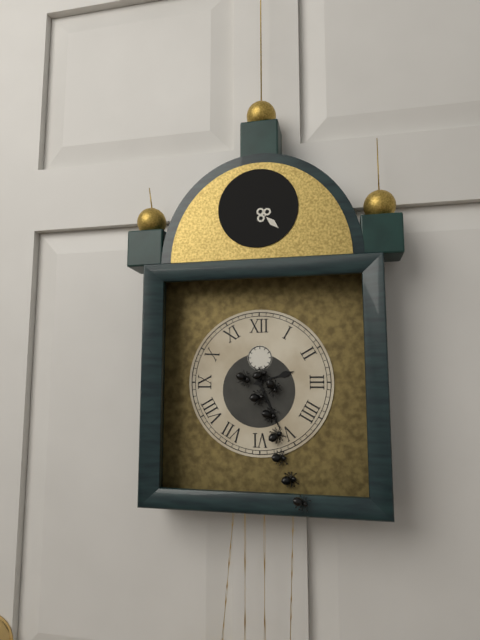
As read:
**2:26**
